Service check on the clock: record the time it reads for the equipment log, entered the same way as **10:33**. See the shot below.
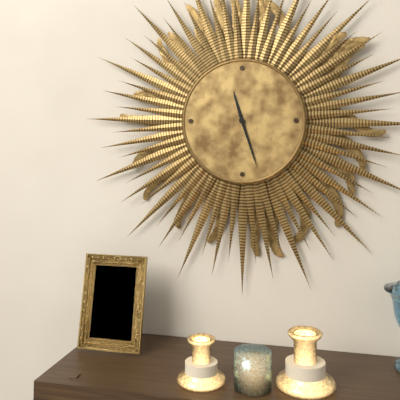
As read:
**11:27**
